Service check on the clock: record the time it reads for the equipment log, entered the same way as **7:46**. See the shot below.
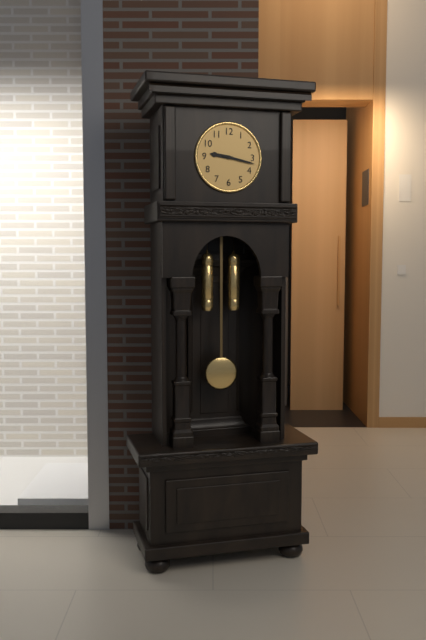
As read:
**9:17**
